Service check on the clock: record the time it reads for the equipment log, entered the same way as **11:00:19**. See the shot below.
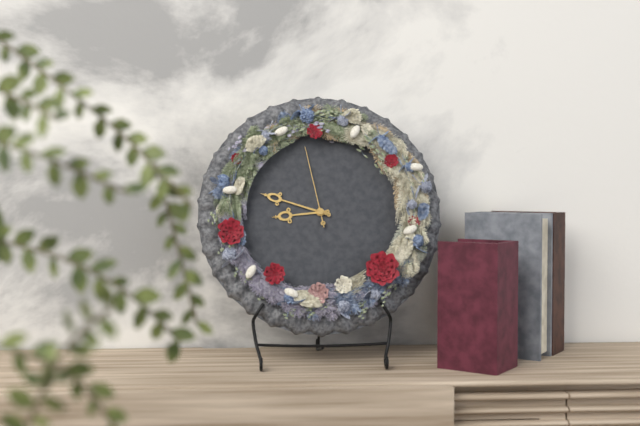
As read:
**8:48:58**
